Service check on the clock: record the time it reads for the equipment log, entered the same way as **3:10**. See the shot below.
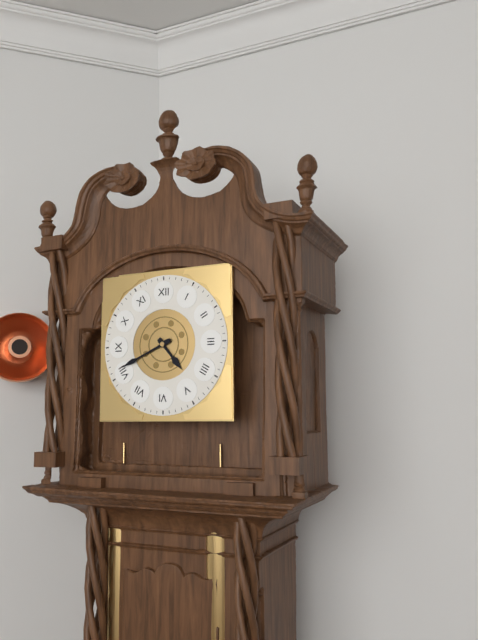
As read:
**4:41**
